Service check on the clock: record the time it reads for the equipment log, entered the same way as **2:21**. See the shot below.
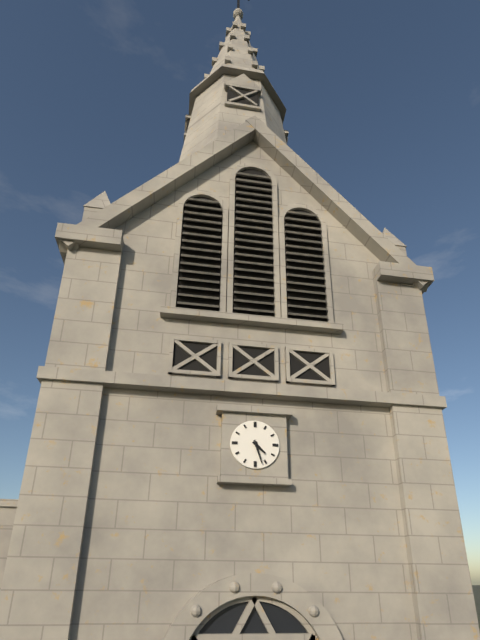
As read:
**4:27**
